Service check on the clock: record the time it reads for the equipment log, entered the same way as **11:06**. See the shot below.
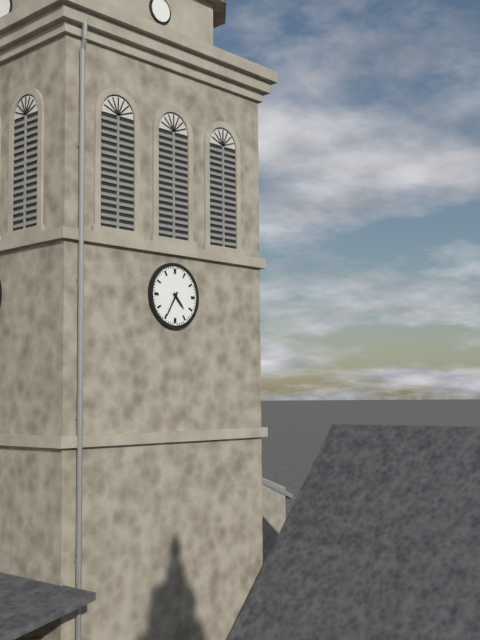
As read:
**4:35**
